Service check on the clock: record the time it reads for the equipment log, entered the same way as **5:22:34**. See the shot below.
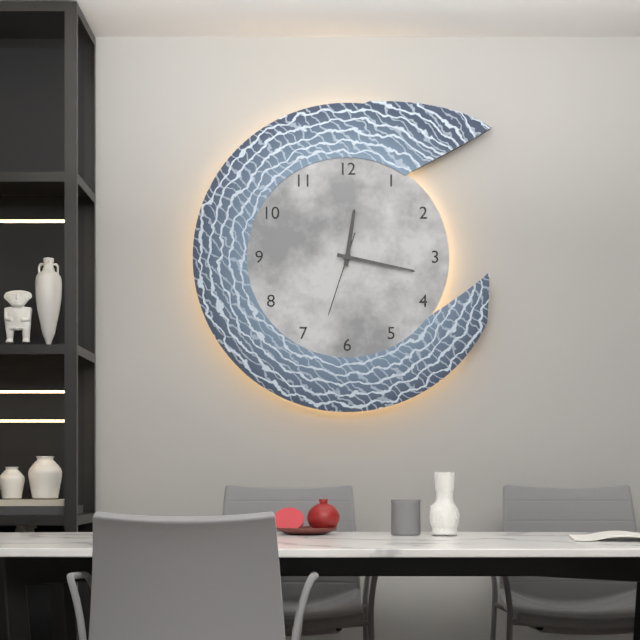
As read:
**12:17:33**
